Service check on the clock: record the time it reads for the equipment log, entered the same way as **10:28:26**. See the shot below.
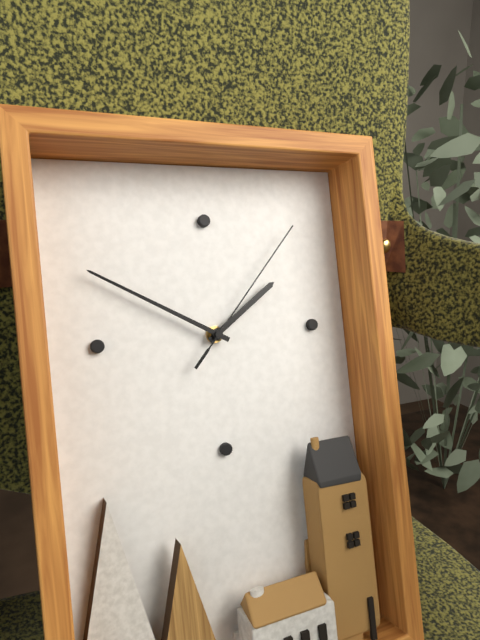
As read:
**1:50:07**
